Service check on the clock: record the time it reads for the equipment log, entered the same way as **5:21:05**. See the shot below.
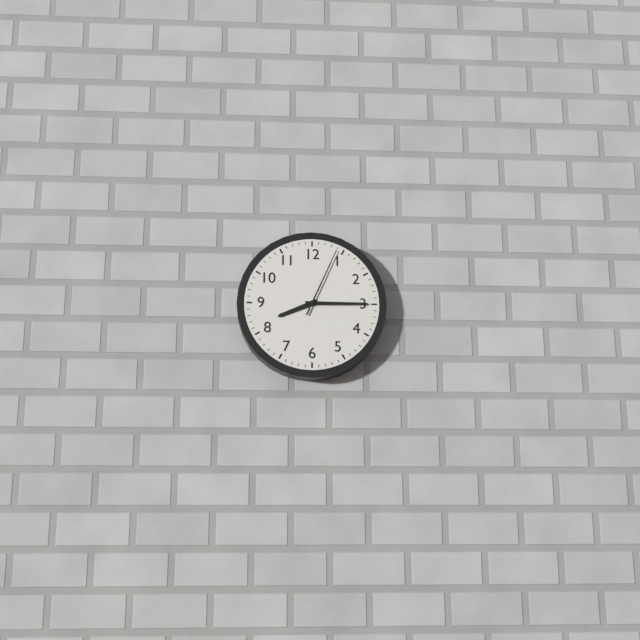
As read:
**8:15:04**
